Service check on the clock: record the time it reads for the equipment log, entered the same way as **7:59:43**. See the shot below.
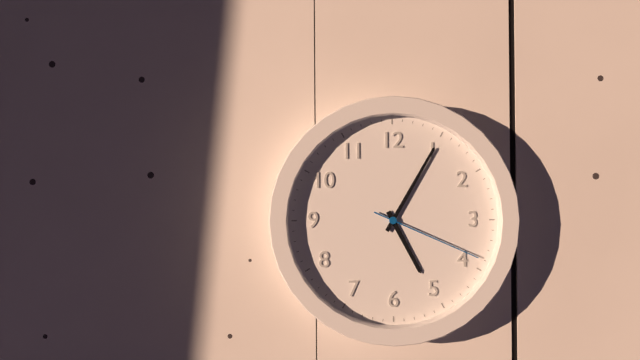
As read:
**5:05:19**
